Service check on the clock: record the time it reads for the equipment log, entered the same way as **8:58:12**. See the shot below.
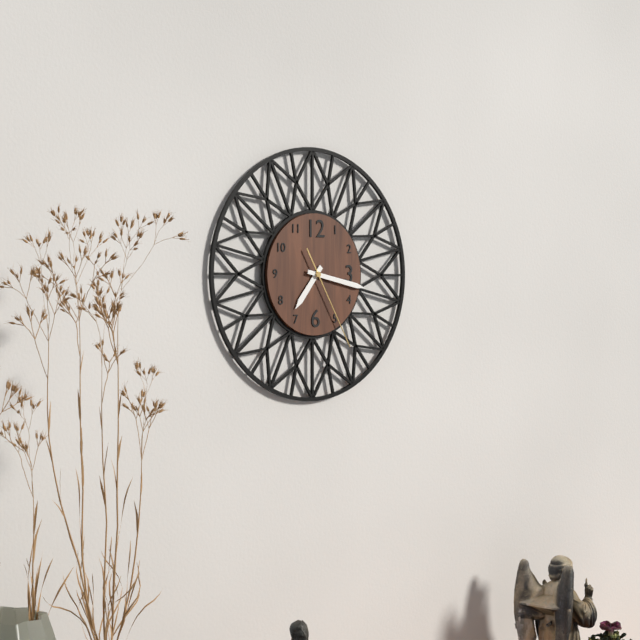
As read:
**7:17:25**
